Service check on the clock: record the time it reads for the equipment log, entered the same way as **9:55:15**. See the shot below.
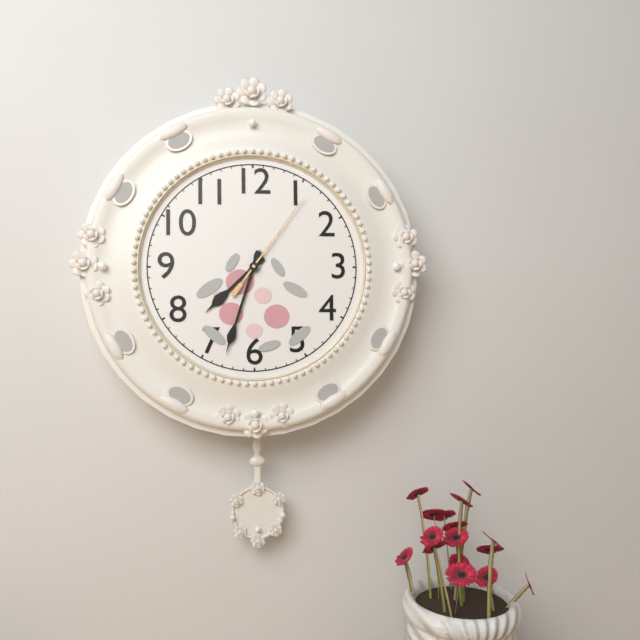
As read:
**7:33:06**
